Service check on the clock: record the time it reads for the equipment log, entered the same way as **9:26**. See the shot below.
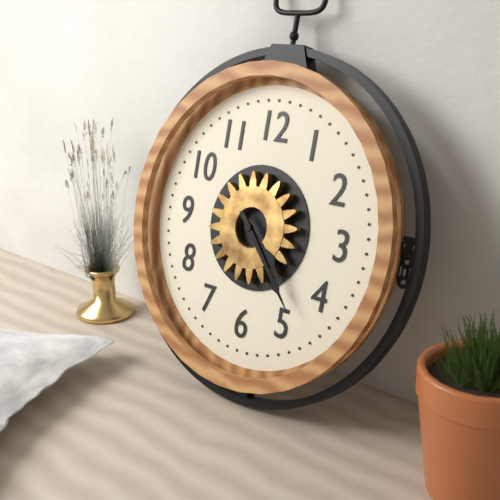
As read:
**4:23**
